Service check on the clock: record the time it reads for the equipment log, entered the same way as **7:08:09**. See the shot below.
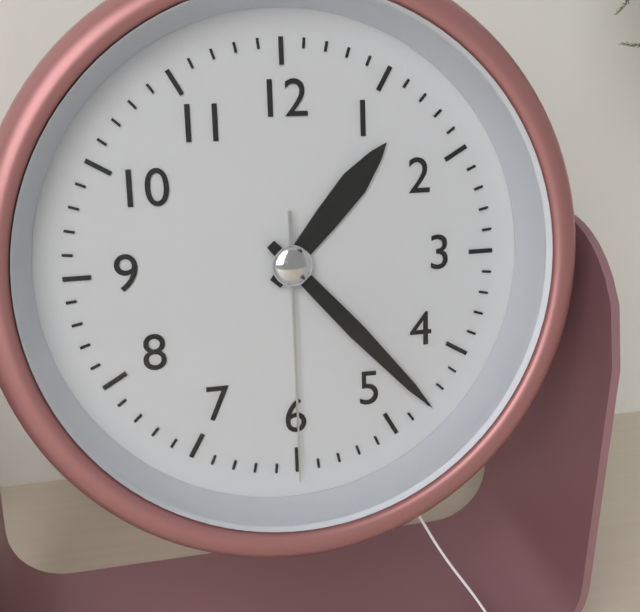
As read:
**1:23:30**
